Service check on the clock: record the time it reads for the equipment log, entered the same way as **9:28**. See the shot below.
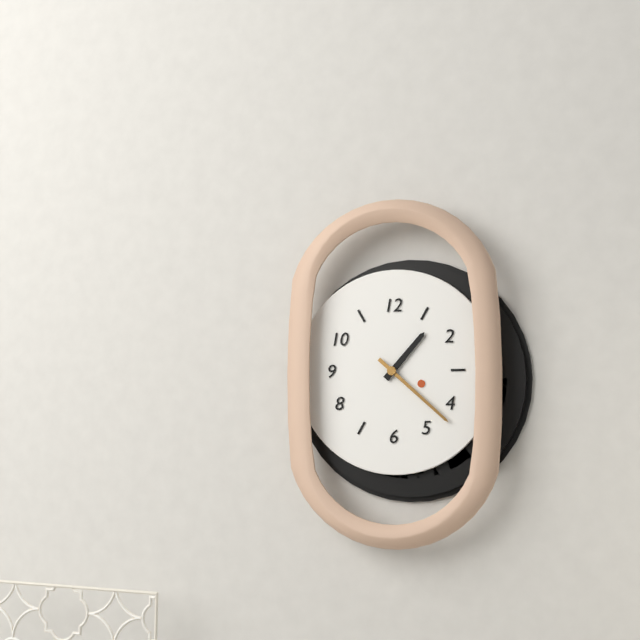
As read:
**1:22**
